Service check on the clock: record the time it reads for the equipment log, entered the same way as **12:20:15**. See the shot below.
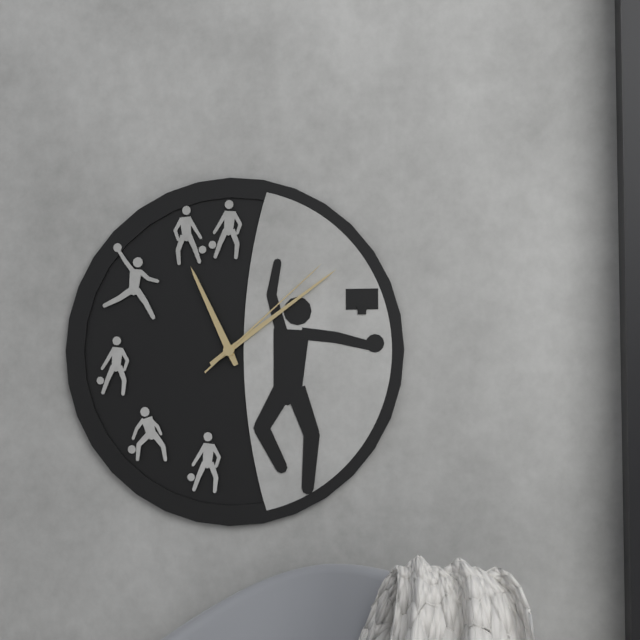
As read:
**11:09:08**
